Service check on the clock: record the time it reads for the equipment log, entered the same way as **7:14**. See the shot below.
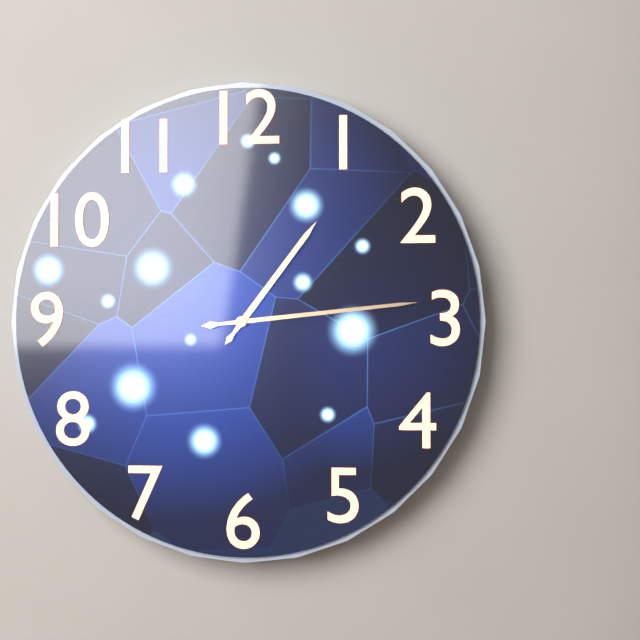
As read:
**1:14**
